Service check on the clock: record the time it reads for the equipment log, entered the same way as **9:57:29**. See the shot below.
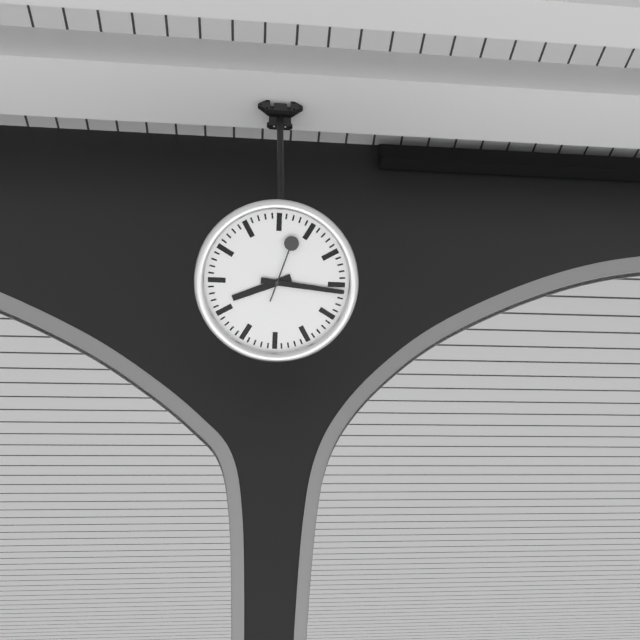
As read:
**8:16:03**
